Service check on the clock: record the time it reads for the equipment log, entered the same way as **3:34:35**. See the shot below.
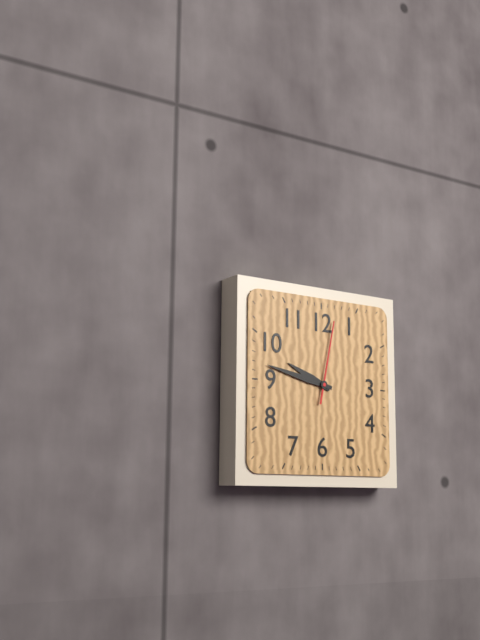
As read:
**9:47:02**
